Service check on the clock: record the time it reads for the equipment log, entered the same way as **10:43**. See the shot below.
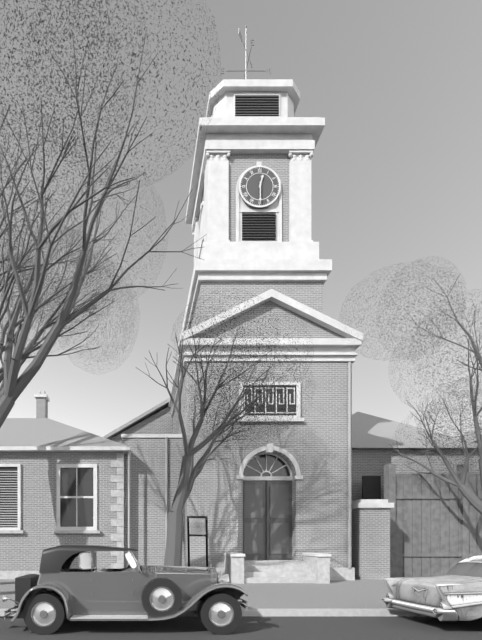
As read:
**12:30**
